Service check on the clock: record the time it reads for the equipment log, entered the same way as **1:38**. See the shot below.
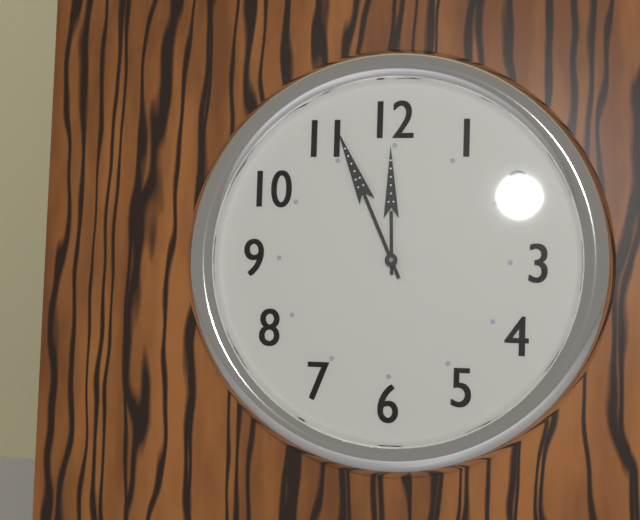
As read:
**11:56**
